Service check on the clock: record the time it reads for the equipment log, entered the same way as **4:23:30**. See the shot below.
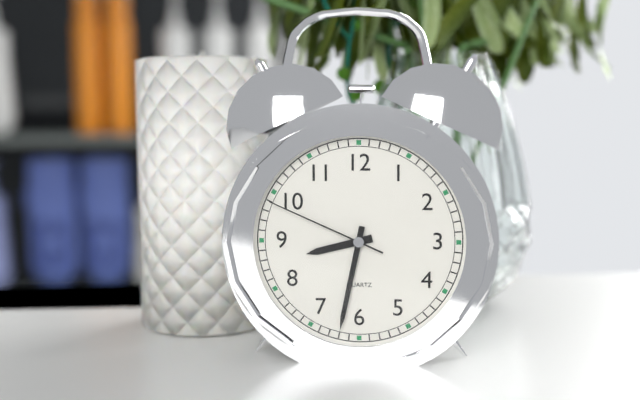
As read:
**8:32:49**
